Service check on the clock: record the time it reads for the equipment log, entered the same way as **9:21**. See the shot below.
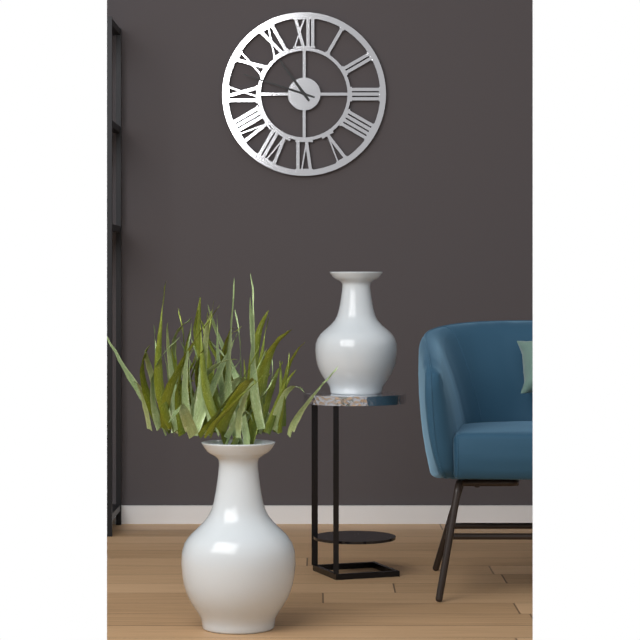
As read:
**10:48**
